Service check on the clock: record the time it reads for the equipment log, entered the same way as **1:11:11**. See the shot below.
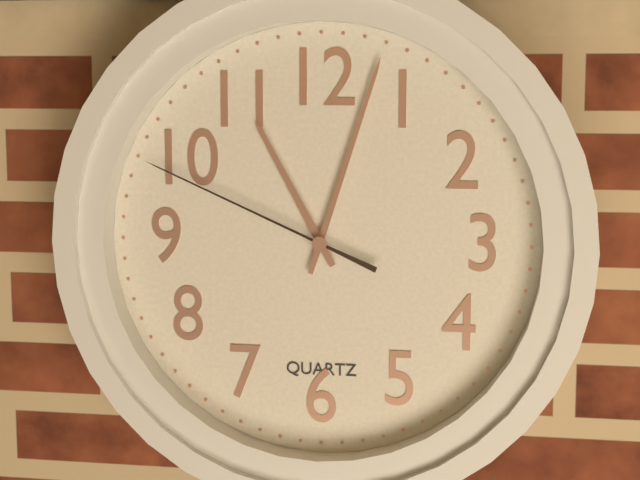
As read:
**11:03:49**
